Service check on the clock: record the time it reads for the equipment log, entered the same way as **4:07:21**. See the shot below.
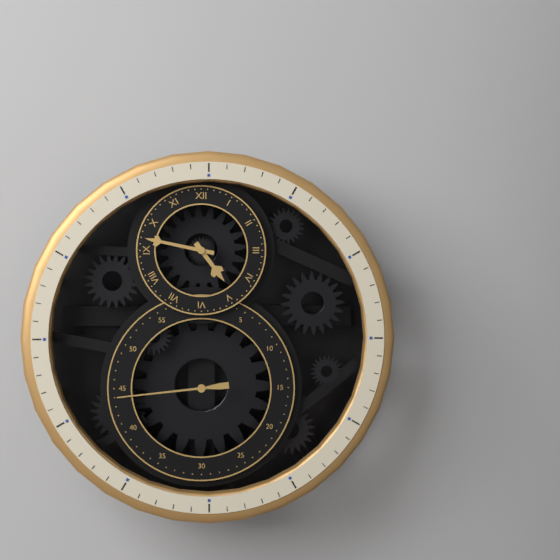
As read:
**4:47:44**
